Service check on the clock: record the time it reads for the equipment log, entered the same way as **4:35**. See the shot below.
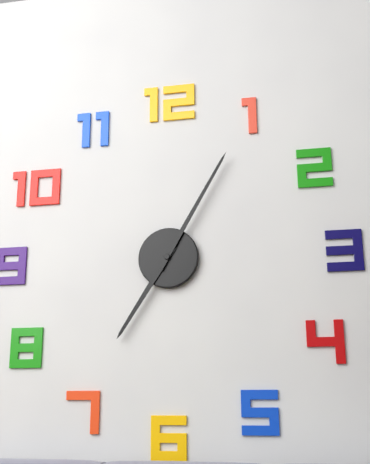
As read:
**7:05**
